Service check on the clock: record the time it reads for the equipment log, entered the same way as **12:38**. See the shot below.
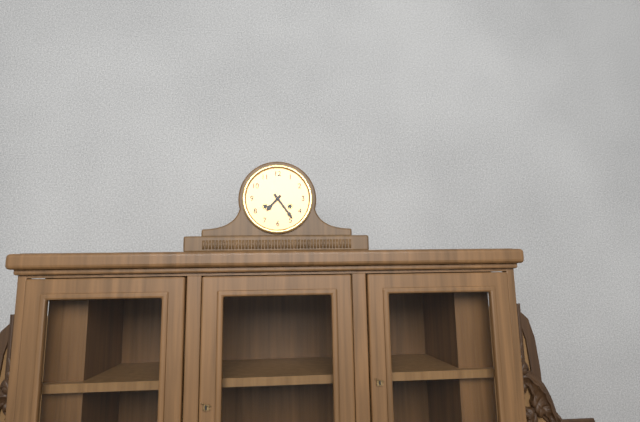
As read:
**7:24**
